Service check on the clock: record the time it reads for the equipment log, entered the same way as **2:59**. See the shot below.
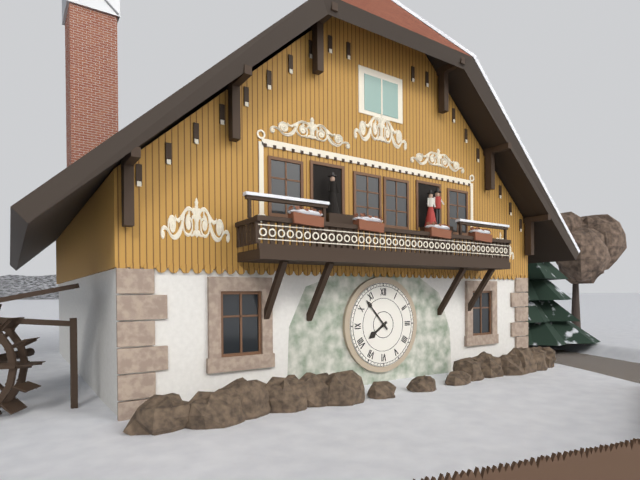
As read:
**7:53**
